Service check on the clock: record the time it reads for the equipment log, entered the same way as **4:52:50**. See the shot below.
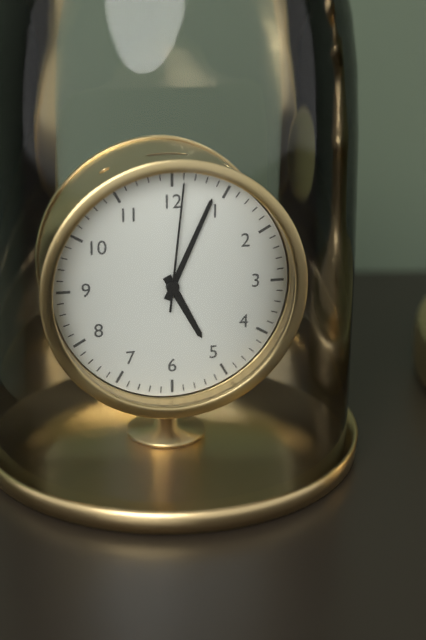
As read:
**5:04:01**
